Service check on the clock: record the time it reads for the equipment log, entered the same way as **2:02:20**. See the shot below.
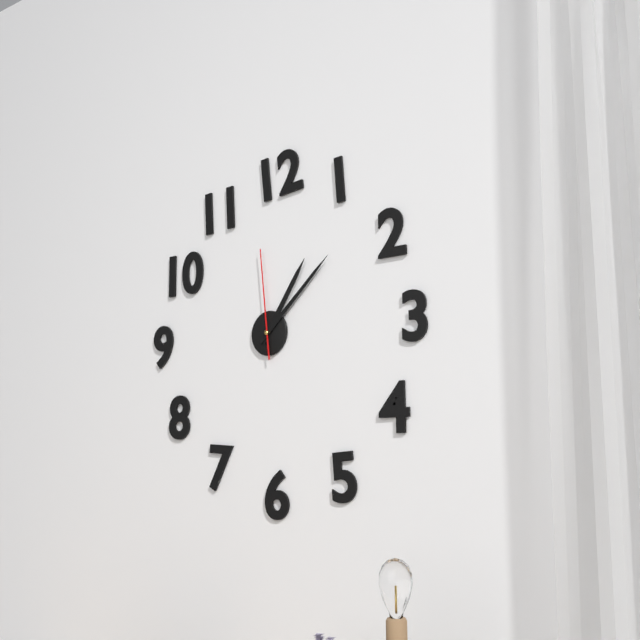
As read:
**1:08:59**
